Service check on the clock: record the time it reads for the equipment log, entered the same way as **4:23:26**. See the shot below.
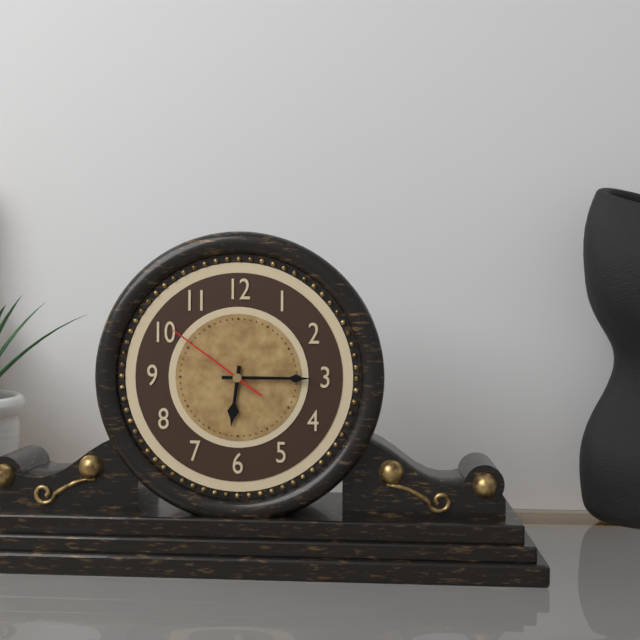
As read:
**6:15:51**
